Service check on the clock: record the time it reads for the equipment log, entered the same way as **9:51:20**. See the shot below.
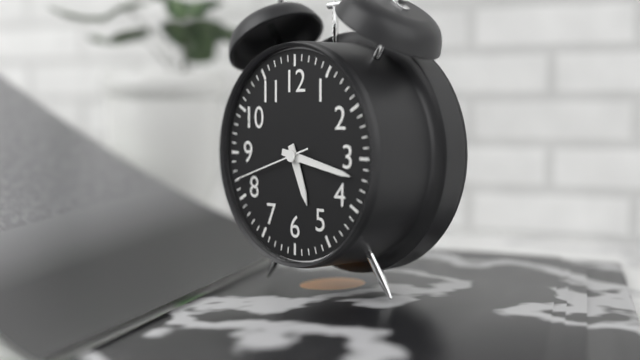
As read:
**5:17:42**
